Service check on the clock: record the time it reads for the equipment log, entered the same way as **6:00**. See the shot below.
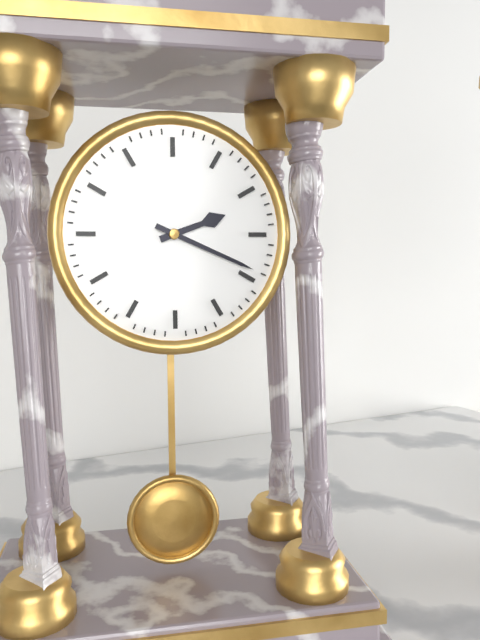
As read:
**2:19**
